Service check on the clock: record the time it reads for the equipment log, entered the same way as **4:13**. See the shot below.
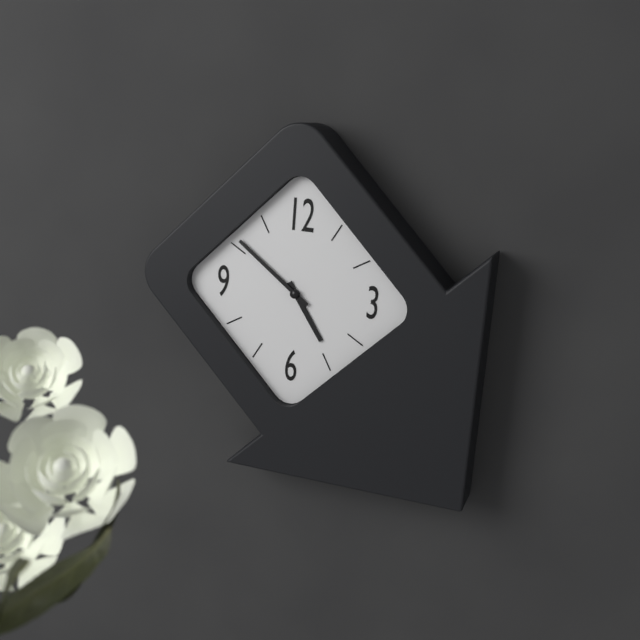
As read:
**4:51**
